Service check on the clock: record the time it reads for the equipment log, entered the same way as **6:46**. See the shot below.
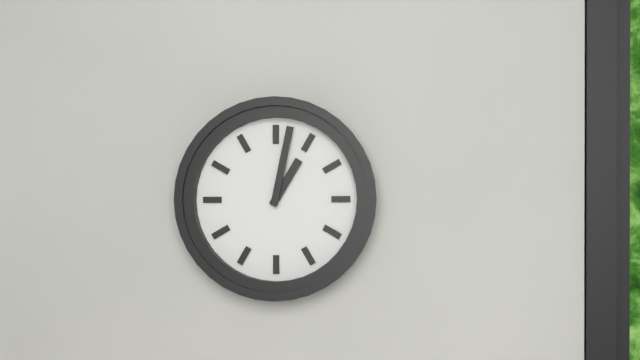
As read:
**1:02**
